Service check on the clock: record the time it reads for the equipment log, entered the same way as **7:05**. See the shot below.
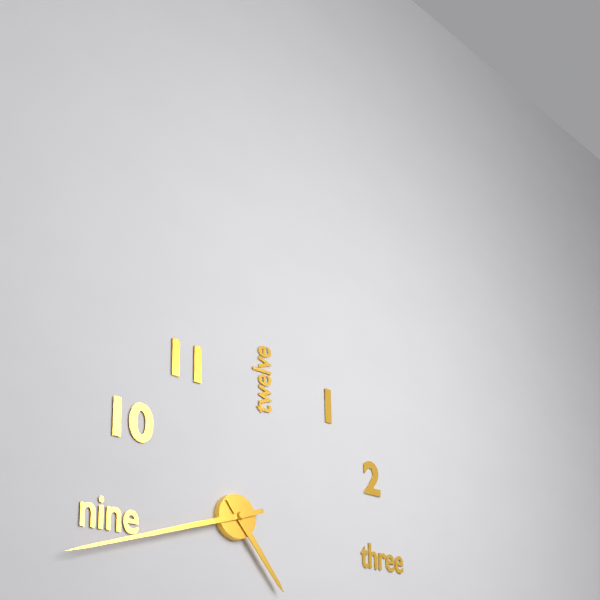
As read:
**4:42**
